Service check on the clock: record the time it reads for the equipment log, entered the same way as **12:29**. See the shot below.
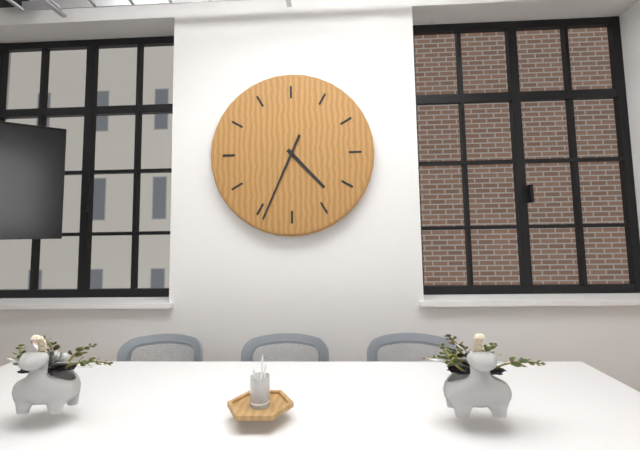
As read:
**4:34**
